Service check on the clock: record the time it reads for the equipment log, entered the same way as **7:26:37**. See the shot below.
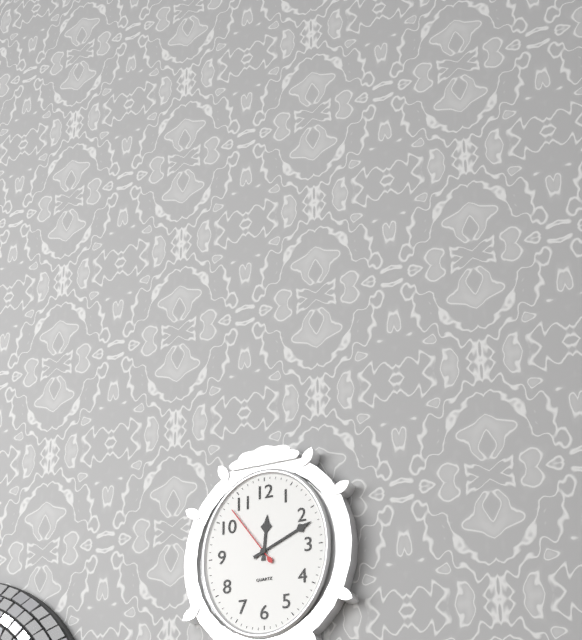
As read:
**12:11:54**
